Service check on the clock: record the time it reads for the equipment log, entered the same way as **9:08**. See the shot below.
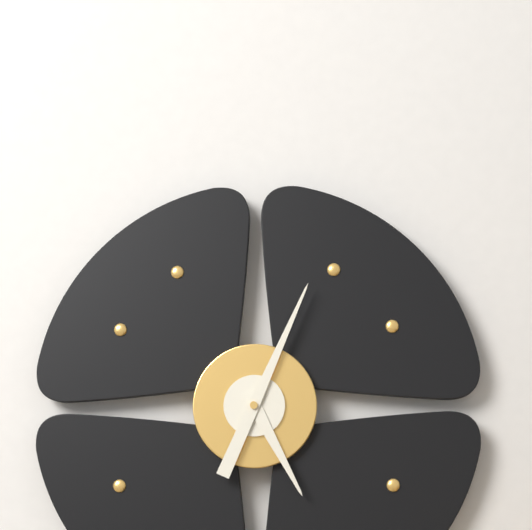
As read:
**5:04**
